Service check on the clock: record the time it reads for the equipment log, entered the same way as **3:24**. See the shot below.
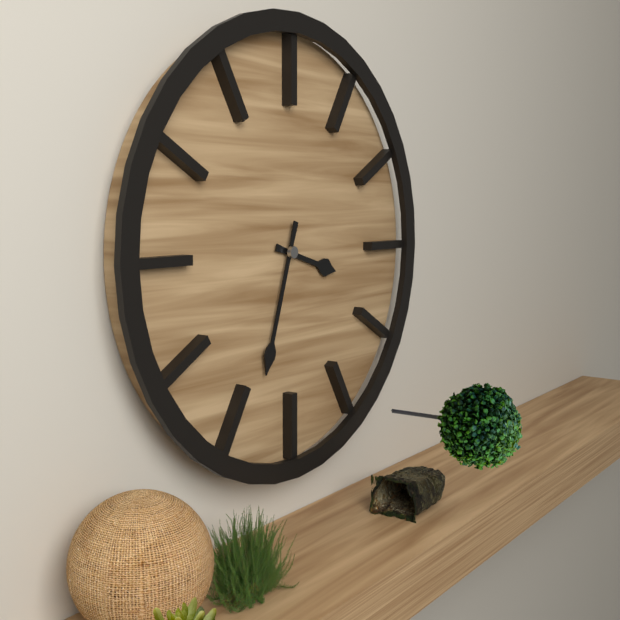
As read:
**3:33**
